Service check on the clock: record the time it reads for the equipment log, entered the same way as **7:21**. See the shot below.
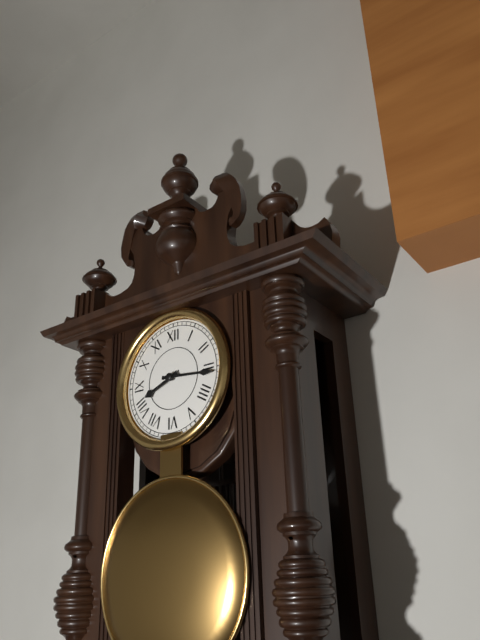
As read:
**8:16**
